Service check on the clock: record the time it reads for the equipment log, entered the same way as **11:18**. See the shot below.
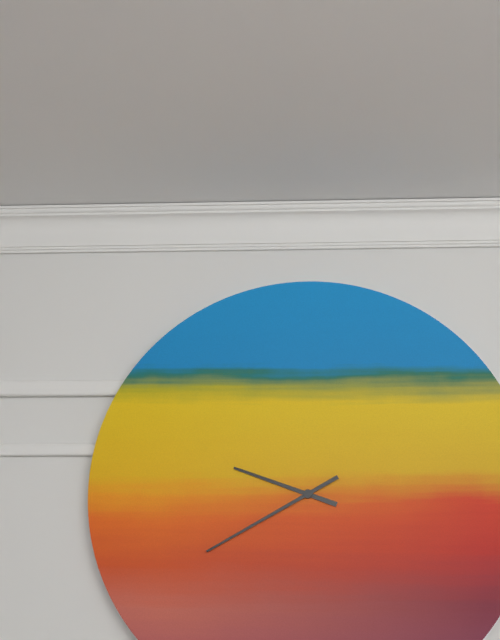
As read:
**9:40**
